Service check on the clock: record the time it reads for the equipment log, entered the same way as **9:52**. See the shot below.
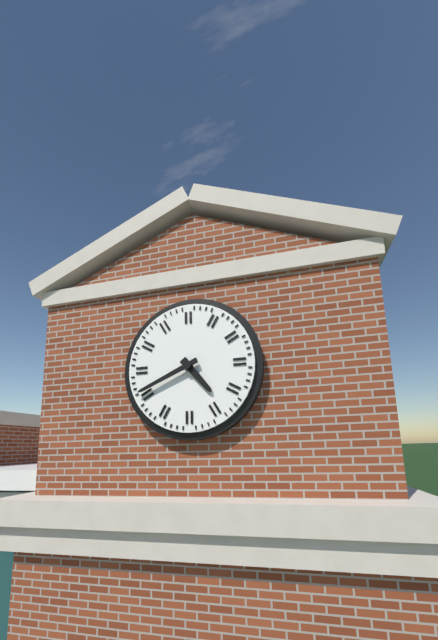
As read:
**4:41**
